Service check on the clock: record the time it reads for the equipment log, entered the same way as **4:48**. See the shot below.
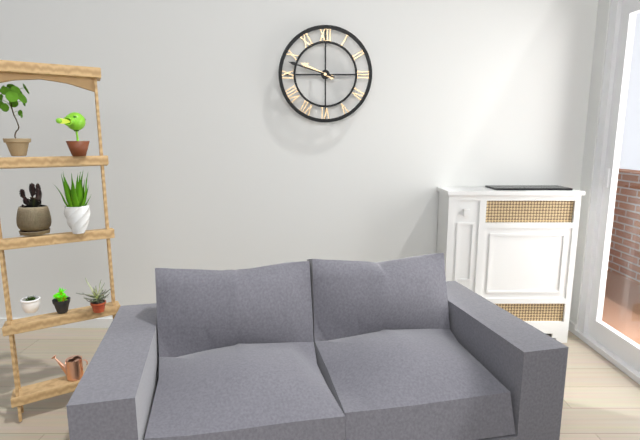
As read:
**9:48**
